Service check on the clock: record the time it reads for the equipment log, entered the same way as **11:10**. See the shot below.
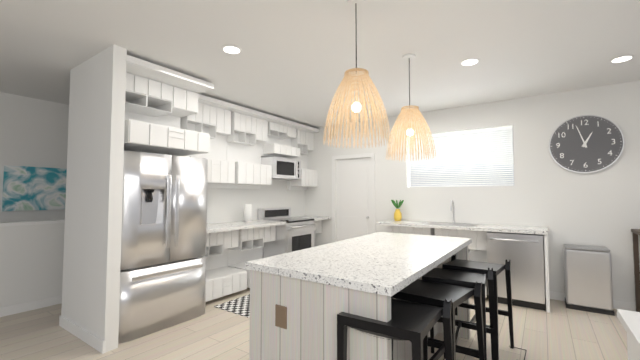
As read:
**12:57**
